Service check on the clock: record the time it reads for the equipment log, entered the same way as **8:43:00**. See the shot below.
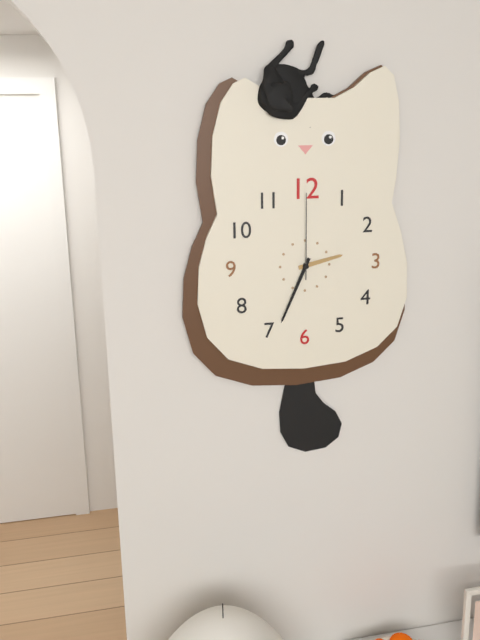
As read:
**2:34:00**
